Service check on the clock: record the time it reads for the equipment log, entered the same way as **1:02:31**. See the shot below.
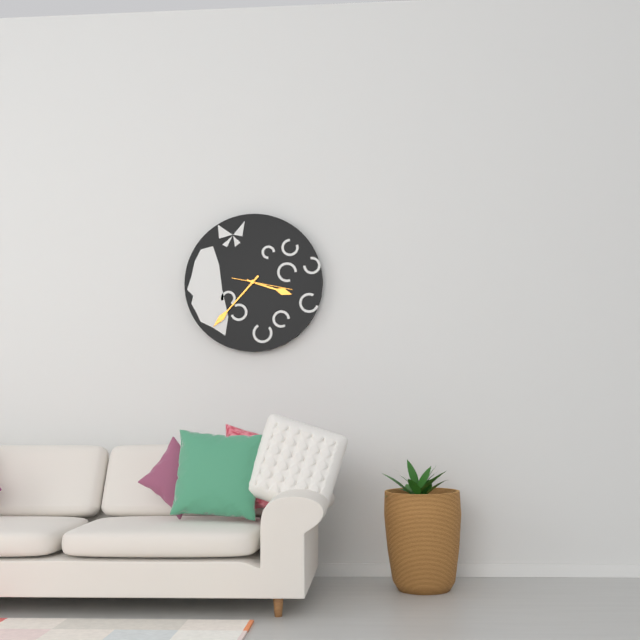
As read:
**3:37:17**
